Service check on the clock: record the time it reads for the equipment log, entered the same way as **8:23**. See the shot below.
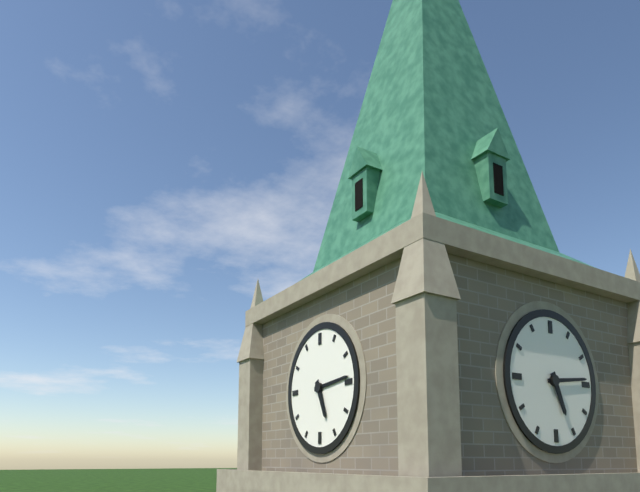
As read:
**5:14**
